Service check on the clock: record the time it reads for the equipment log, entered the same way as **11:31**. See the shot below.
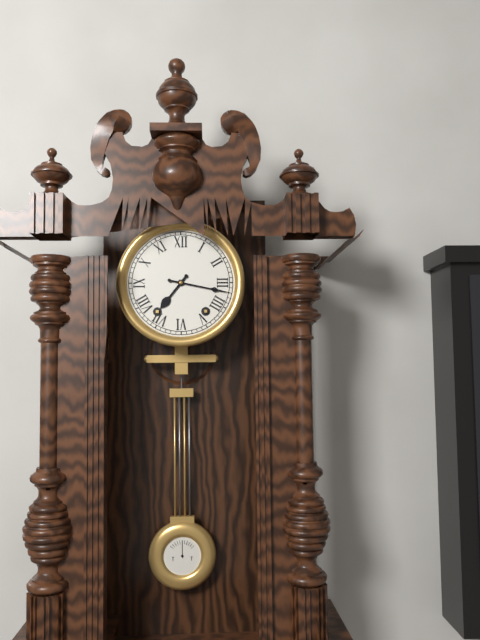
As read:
**7:17**
